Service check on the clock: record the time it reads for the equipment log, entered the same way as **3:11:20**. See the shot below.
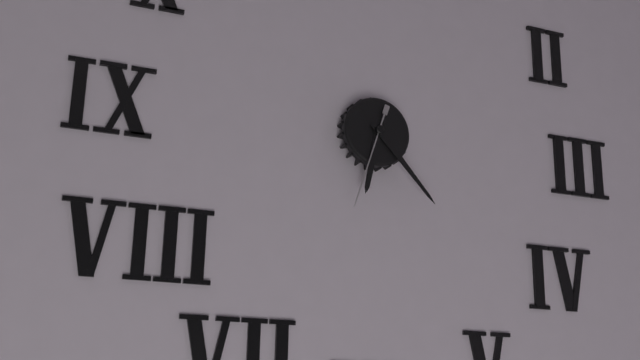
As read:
**6:23:33**
